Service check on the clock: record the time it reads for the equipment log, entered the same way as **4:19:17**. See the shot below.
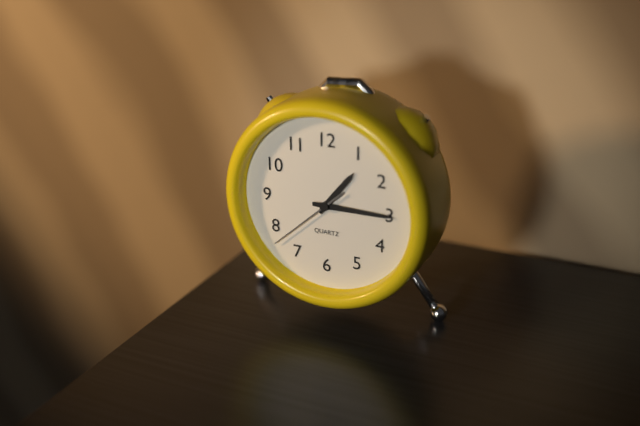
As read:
**1:15:38**
